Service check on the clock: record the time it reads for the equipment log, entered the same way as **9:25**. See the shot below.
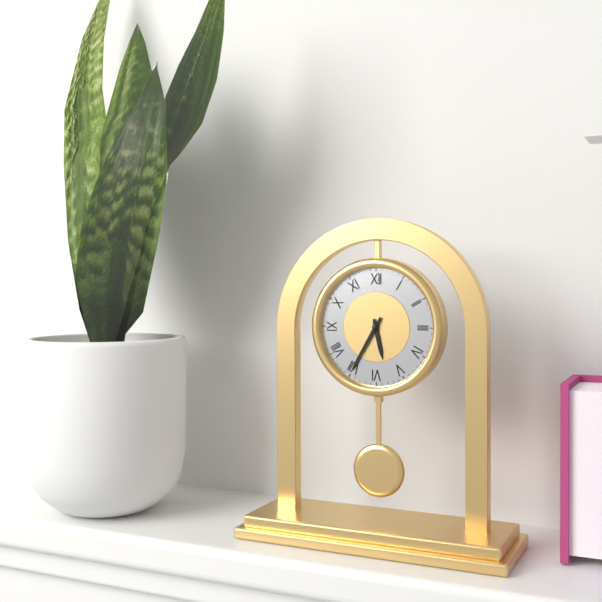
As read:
**5:35**
